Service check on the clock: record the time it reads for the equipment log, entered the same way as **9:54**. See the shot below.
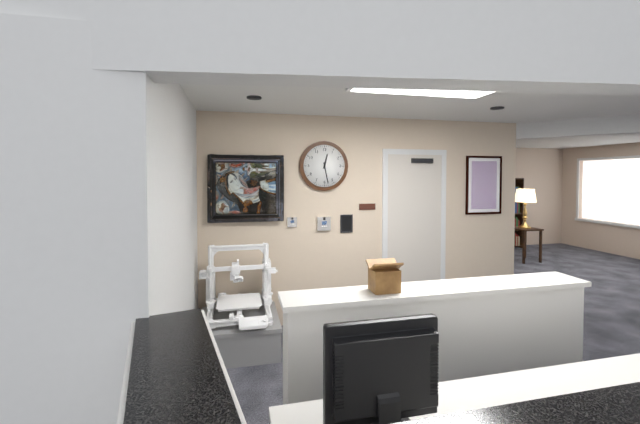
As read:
**12:28**
